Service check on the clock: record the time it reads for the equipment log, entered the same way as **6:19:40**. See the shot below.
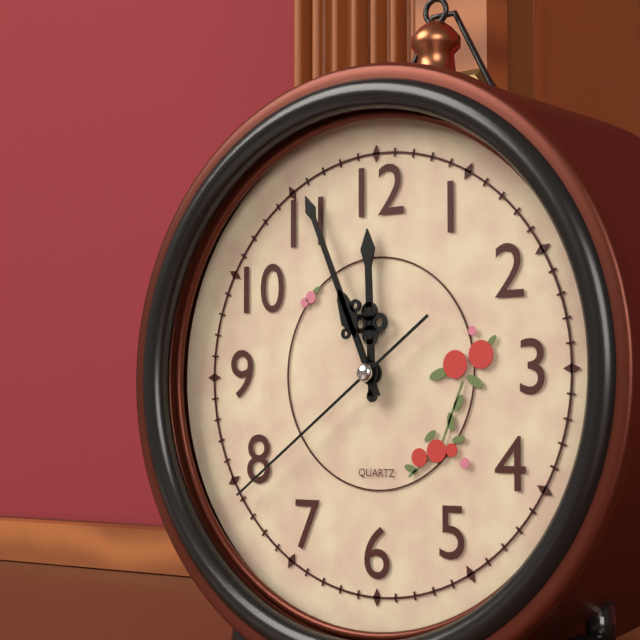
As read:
**11:56:39**
